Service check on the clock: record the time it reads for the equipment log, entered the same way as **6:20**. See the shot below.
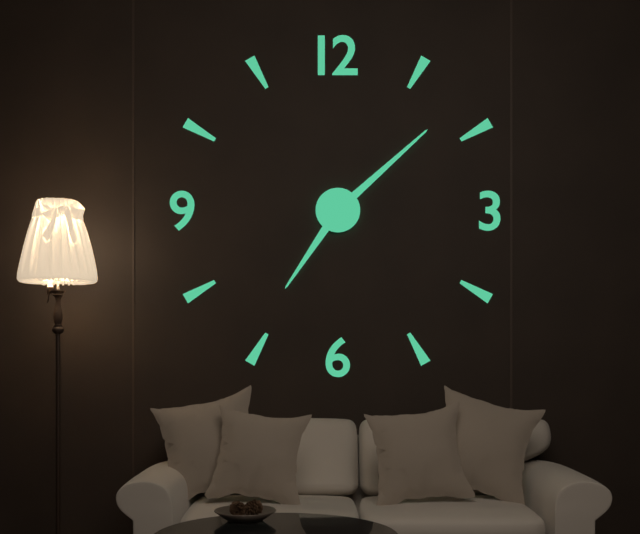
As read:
**7:08**
